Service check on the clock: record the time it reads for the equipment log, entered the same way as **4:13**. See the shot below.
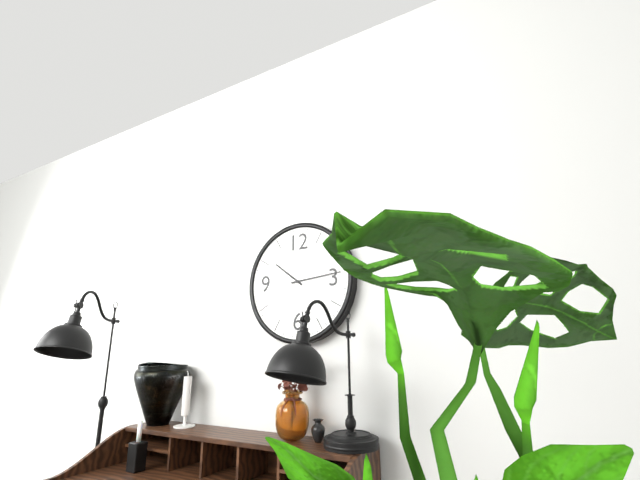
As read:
**10:14**
